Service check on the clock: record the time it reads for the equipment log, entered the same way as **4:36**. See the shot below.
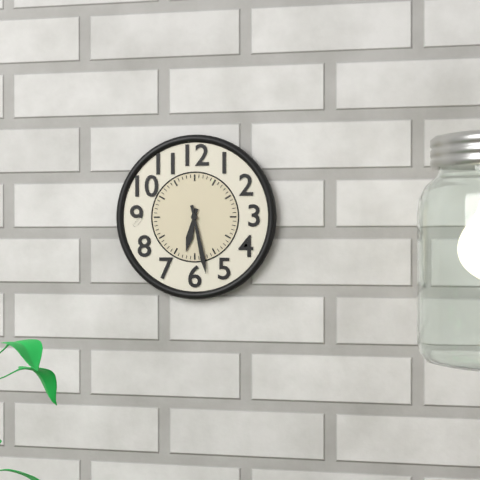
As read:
**6:28**
